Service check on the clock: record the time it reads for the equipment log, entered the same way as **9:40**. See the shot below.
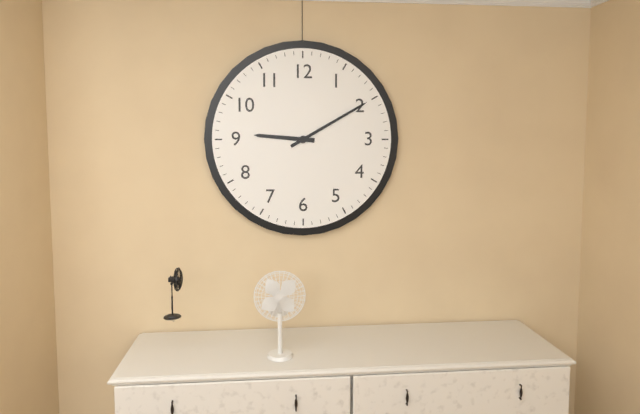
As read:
**9:10**
